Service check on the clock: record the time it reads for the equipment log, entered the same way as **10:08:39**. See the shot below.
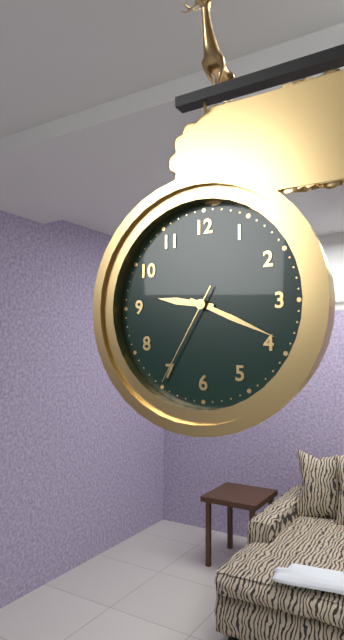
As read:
**9:19:35**
